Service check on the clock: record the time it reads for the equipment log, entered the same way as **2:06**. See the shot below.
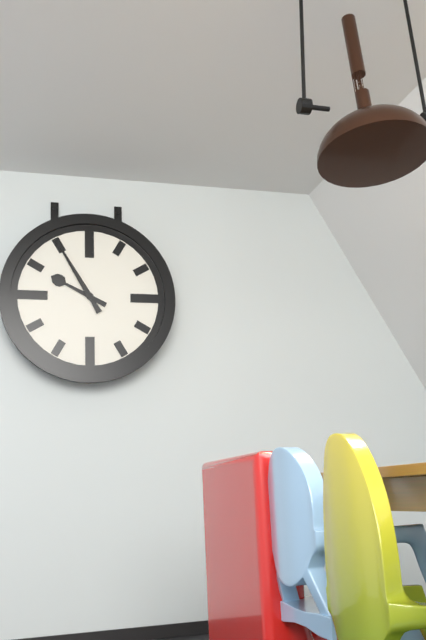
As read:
**9:55**
